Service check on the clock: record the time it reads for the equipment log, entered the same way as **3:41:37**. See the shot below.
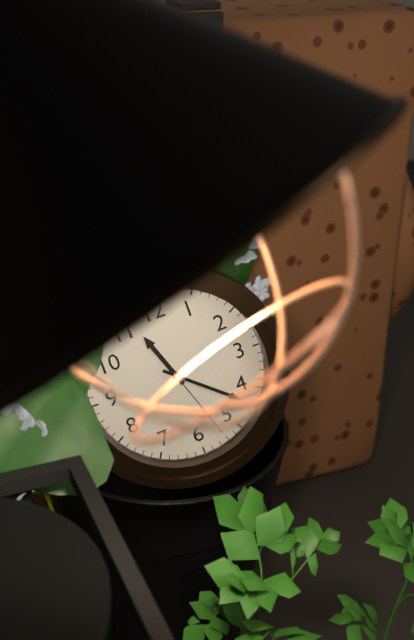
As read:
**11:22:27**
